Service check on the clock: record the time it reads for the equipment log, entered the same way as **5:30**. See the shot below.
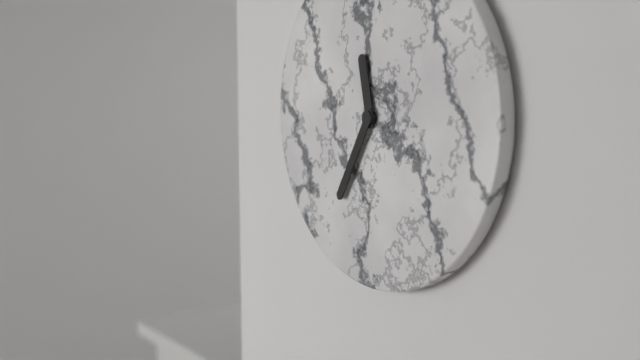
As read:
**11:35**
